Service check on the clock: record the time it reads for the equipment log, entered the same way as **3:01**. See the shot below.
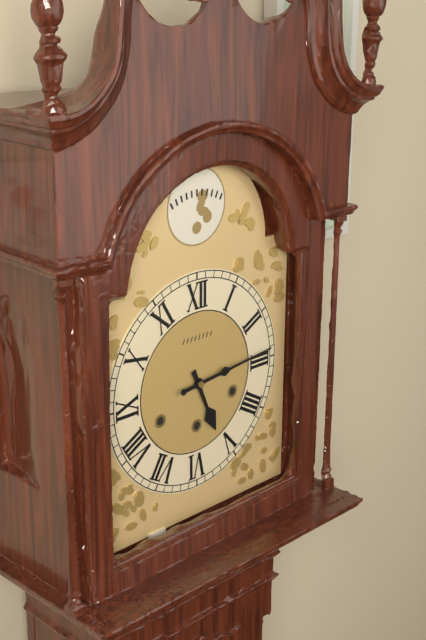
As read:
**5:14**
